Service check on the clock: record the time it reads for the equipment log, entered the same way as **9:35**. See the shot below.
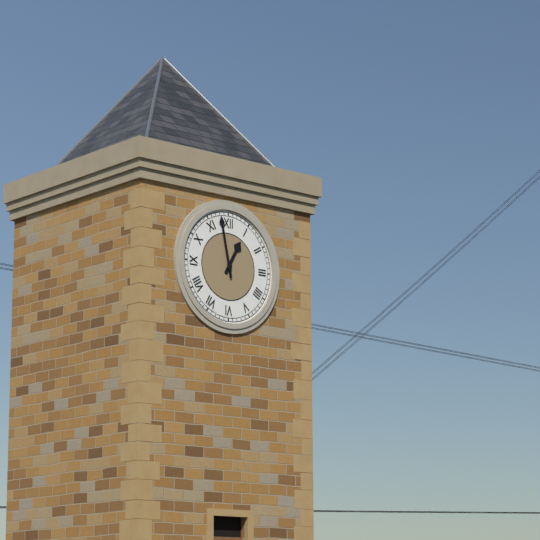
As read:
**12:58**
